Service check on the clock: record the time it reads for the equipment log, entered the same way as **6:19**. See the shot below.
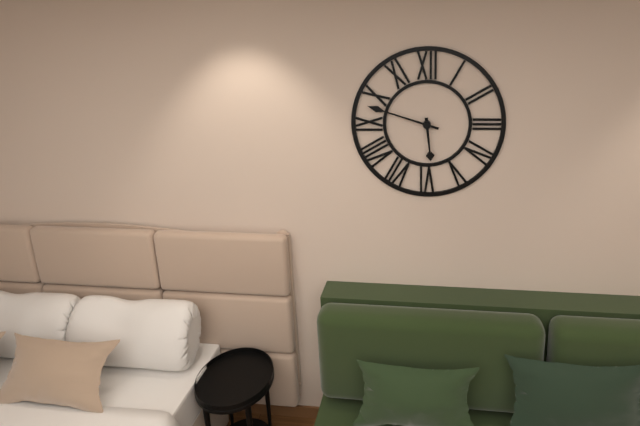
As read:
**5:48**
